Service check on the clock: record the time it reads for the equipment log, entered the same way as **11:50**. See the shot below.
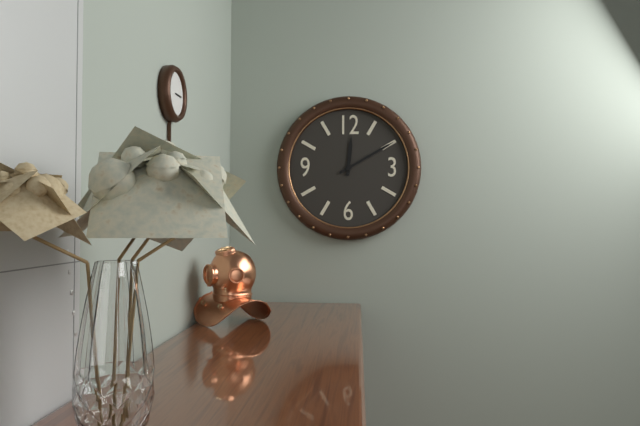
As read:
**12:10**
